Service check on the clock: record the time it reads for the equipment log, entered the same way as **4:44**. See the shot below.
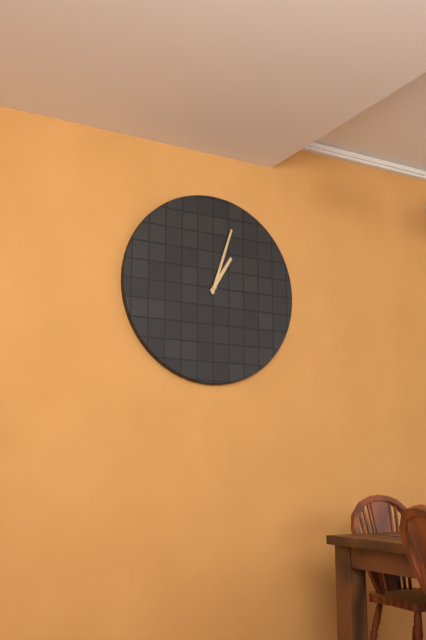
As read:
**1:03**
